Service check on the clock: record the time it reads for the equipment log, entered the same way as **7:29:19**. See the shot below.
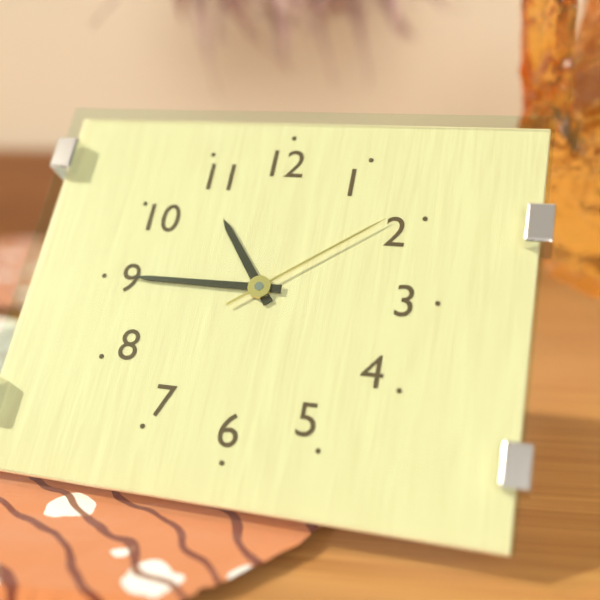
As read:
**10:45:09**
